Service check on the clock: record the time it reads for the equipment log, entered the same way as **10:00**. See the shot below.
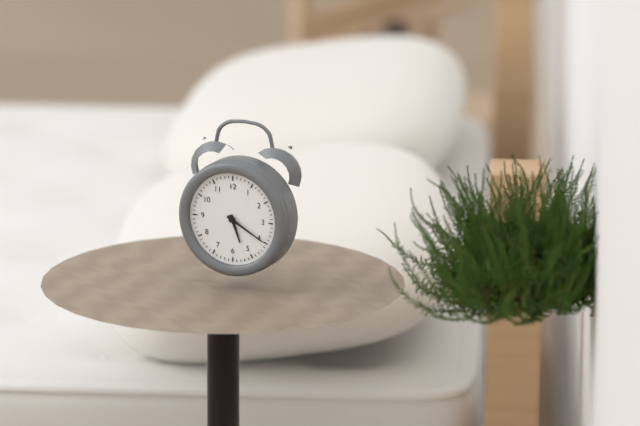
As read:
**5:20**
